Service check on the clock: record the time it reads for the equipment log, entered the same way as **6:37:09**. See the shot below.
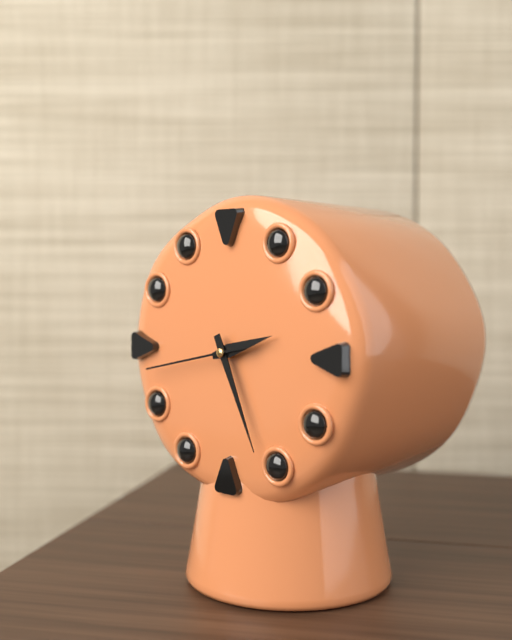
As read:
**2:26:43**
